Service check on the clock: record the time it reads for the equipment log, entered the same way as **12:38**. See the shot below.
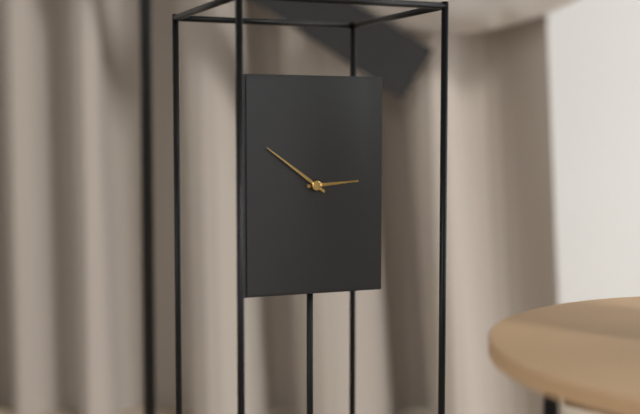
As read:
**2:51**
